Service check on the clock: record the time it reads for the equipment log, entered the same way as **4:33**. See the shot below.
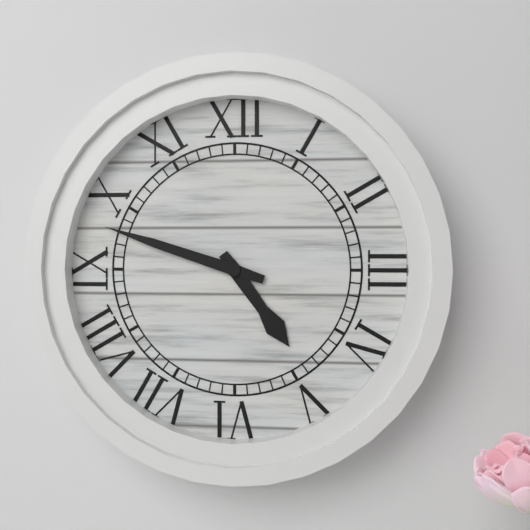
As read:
**4:48**
